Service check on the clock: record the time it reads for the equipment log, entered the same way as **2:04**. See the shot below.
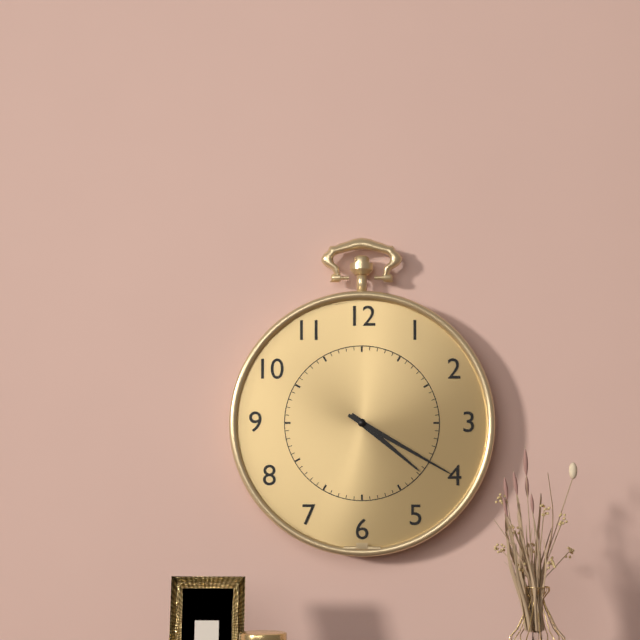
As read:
**4:20**
